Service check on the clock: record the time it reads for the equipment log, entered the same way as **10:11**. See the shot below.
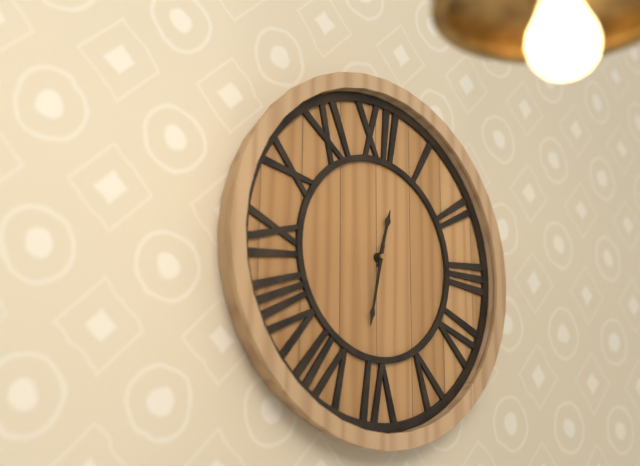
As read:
**12:32**
